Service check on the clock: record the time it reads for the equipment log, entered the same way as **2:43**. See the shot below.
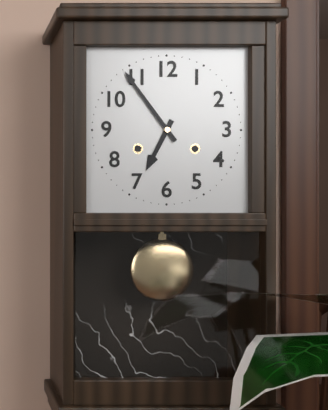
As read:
**6:54**
